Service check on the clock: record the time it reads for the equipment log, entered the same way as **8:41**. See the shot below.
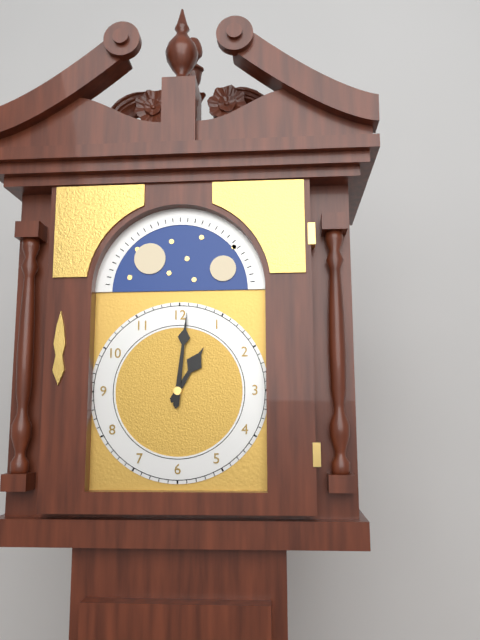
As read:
**1:01**
